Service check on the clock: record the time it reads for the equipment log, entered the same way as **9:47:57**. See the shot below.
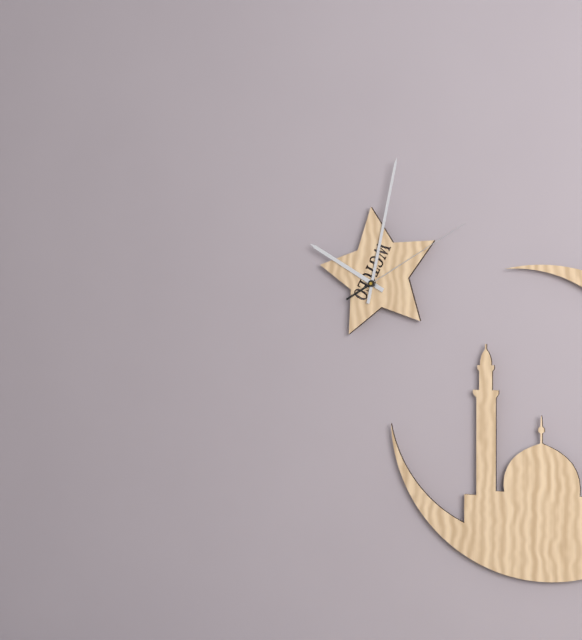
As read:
**10:02:10**
